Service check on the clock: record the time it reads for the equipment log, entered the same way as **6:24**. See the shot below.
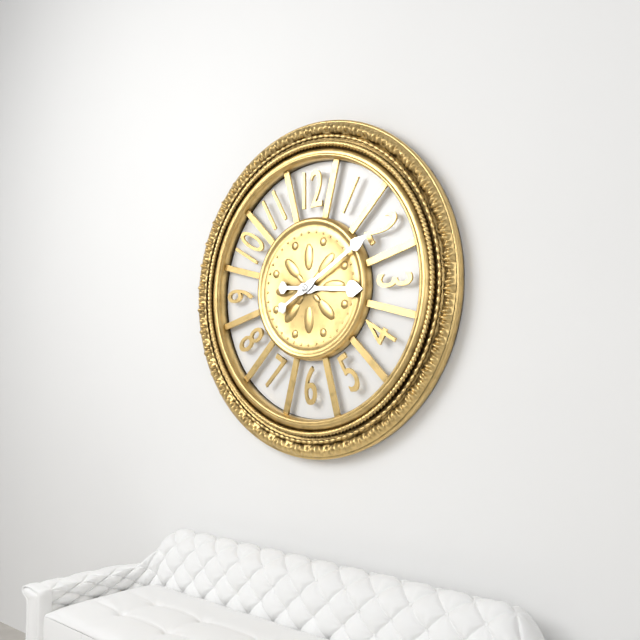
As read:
**3:10**
